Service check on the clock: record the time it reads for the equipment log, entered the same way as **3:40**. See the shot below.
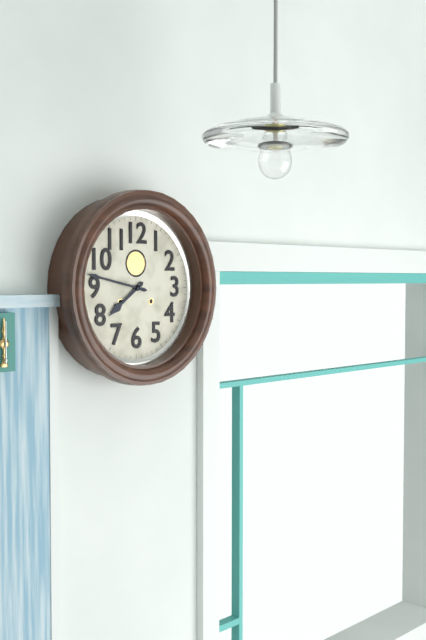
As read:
**7:47**
